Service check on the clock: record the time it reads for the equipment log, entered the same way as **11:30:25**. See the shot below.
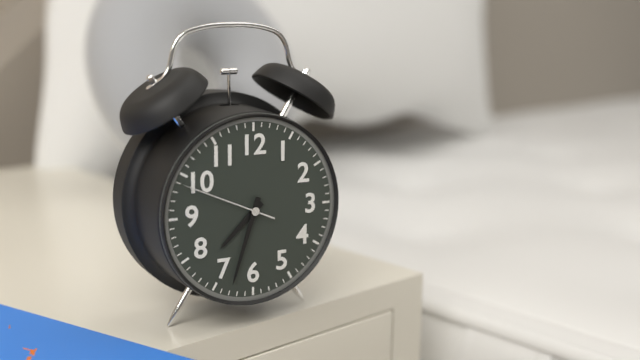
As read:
**7:33:49**
